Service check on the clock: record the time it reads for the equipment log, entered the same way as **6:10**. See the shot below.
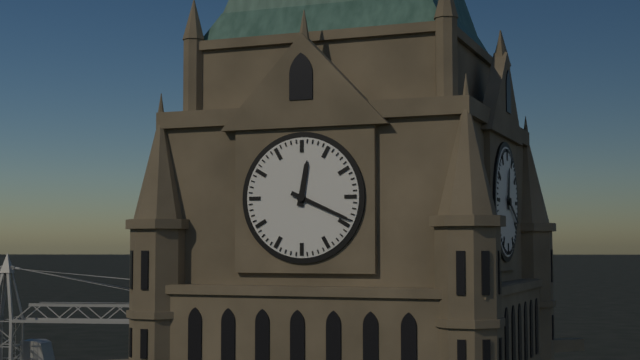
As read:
**12:19**
